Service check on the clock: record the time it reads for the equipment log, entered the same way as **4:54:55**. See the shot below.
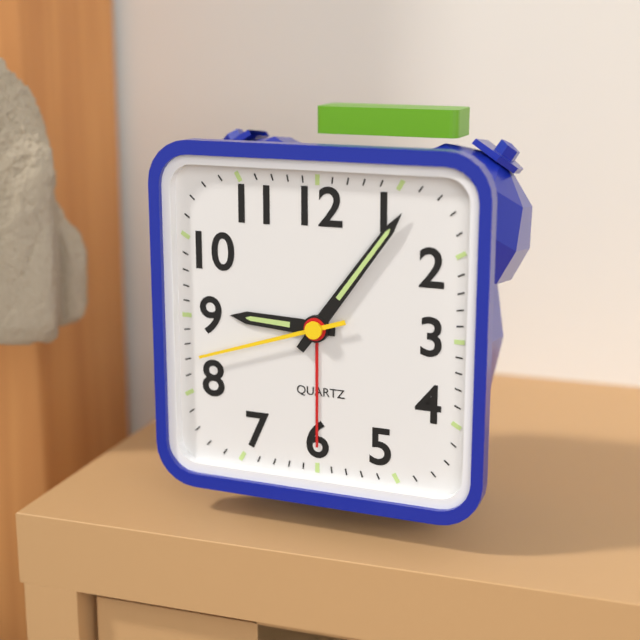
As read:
**9:06:42**
